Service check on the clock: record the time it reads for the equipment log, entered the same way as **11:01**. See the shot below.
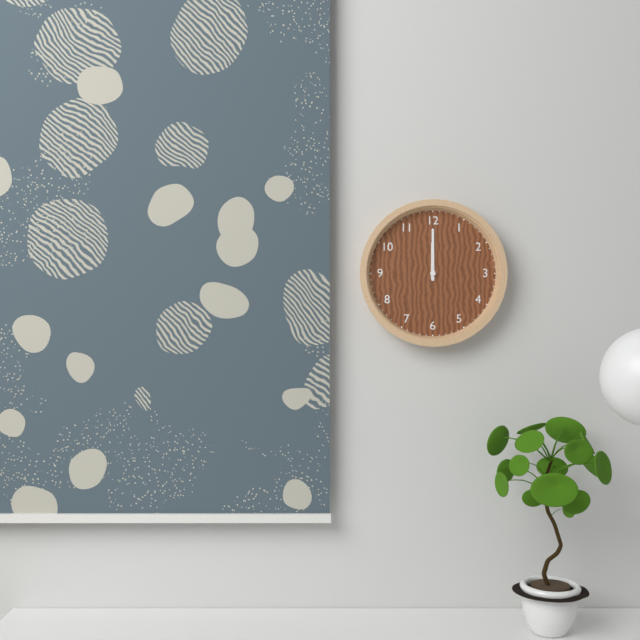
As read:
**12:00**
